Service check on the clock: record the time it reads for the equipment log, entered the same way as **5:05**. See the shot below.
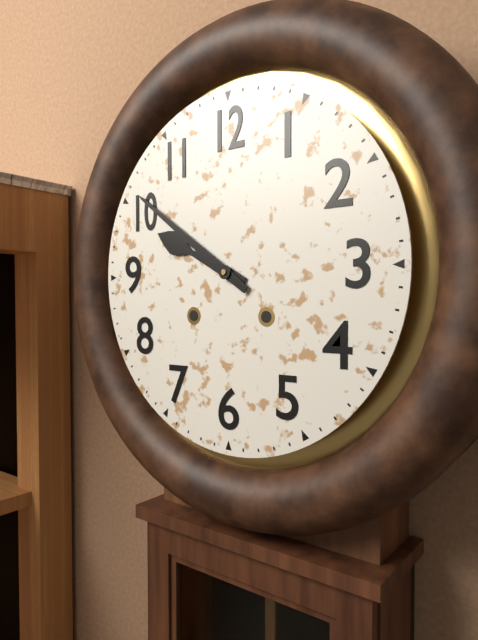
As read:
**9:51**
